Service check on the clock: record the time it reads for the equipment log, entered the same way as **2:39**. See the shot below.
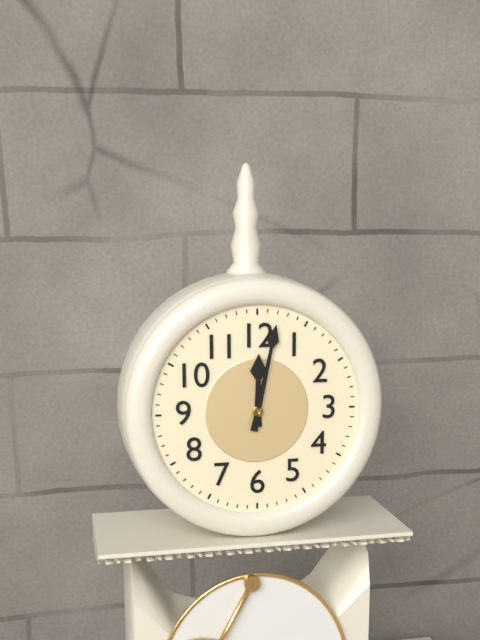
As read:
**12:02**
